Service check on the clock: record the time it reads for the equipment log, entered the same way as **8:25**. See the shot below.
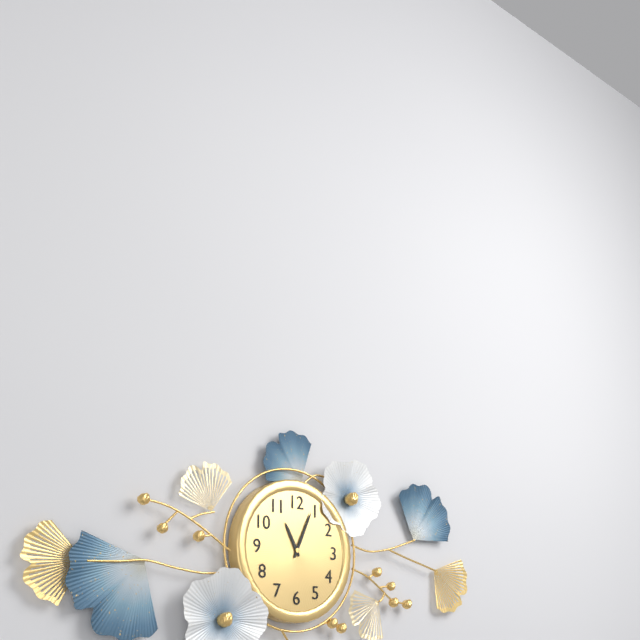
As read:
**11:04**
